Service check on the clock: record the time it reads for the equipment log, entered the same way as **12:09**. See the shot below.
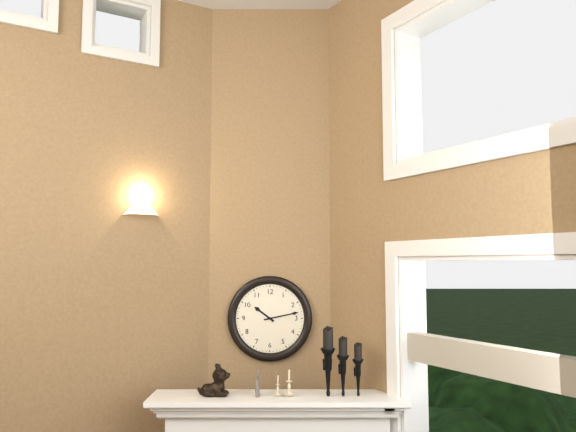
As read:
**10:13**
